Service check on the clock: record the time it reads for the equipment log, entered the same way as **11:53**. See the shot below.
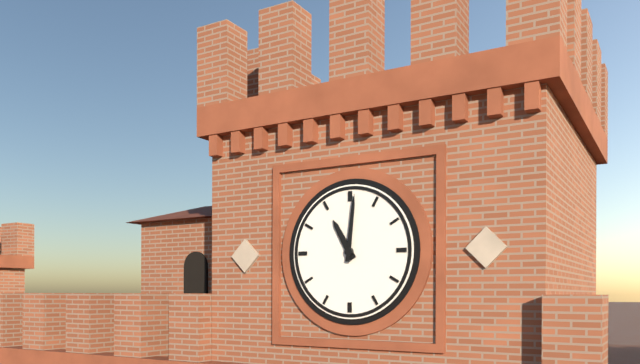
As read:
**11:01**
